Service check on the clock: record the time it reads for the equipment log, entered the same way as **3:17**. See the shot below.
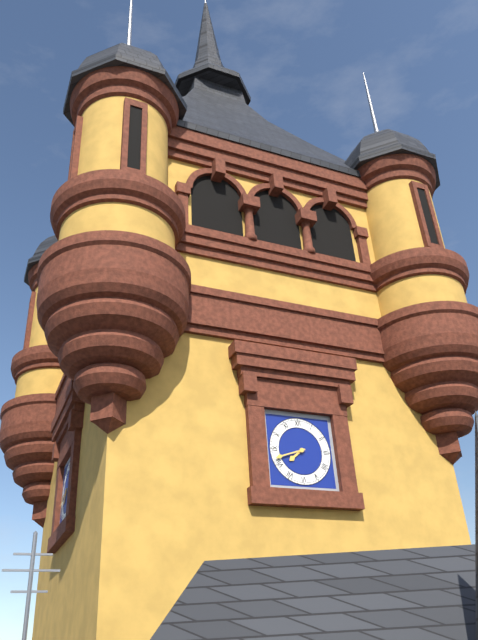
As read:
**7:42**
